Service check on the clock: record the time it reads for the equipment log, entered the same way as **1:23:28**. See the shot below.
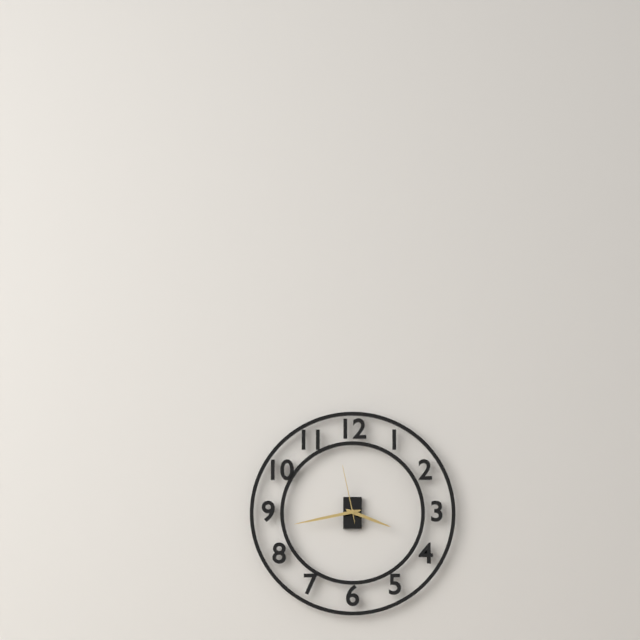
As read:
**3:43:58**
